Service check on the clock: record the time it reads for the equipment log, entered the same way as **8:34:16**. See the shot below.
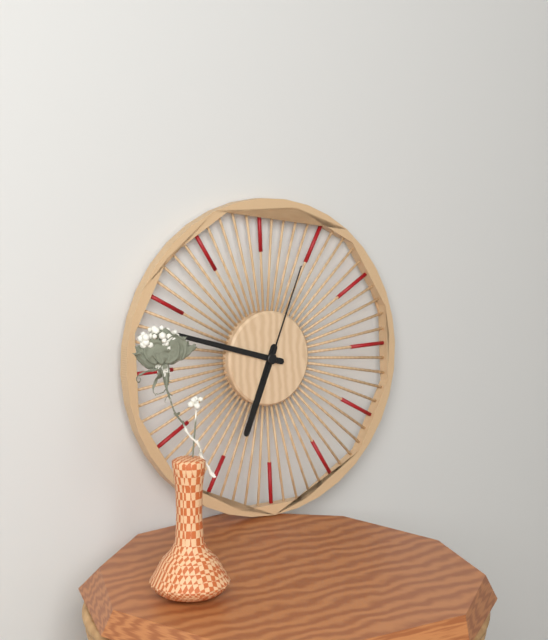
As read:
**6:48:04**
